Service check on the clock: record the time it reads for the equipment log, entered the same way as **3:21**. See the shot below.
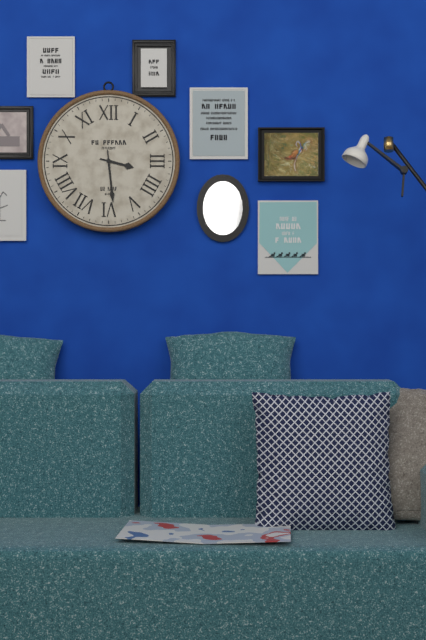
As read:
**3:29**
